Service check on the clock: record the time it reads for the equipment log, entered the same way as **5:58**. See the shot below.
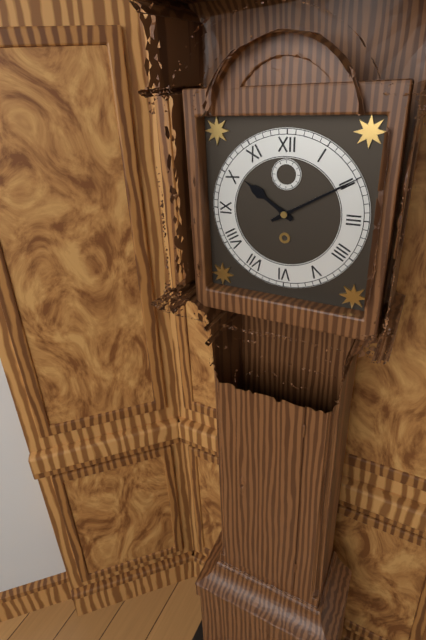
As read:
**10:10**
